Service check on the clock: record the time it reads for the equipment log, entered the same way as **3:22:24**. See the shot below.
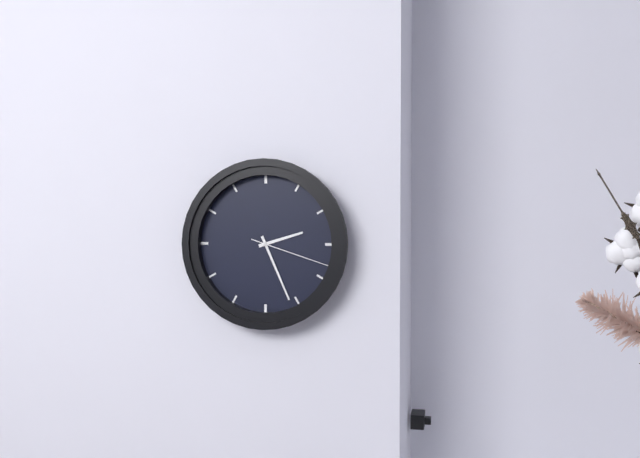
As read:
**2:26:18**
